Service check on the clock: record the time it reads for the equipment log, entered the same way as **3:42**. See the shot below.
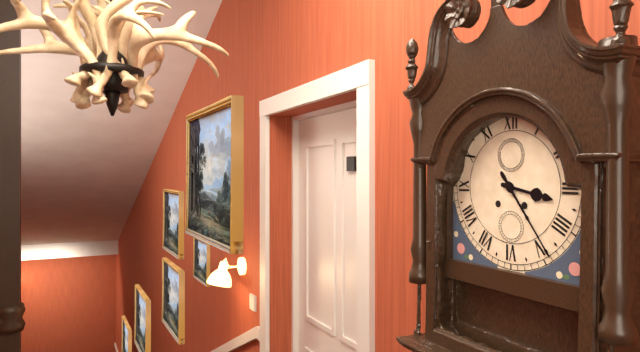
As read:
**3:24**
